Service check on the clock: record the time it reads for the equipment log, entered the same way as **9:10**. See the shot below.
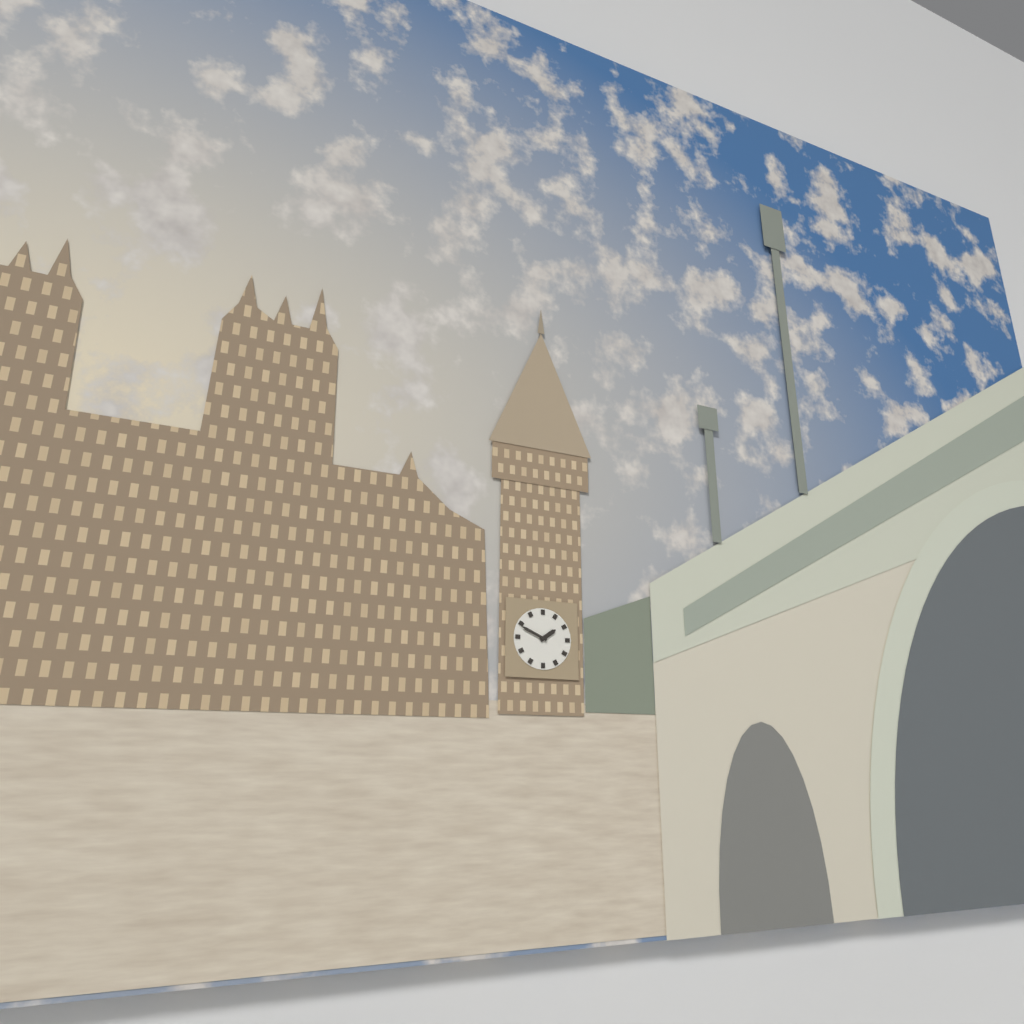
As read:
**1:49**
